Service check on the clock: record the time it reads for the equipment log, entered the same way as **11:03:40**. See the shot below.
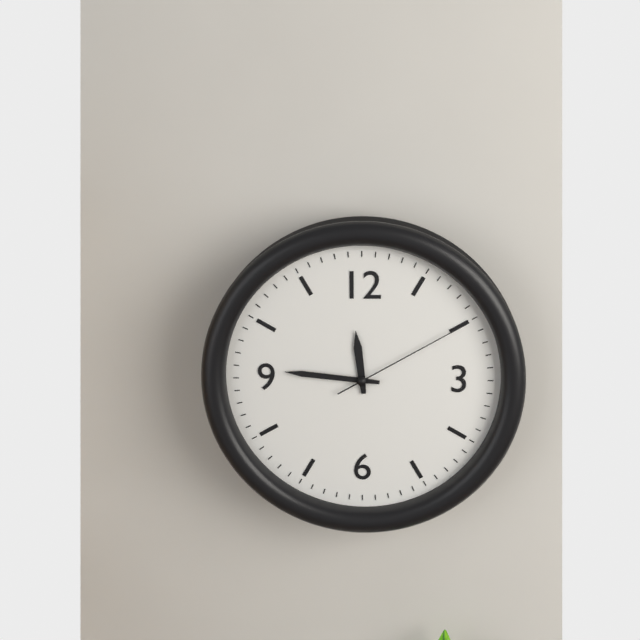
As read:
**11:46:10**
